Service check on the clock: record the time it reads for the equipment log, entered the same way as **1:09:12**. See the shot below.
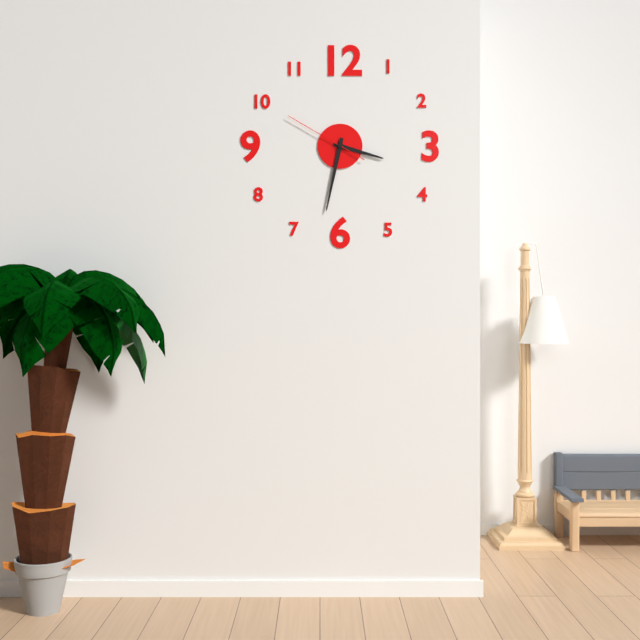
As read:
**3:32:50**
